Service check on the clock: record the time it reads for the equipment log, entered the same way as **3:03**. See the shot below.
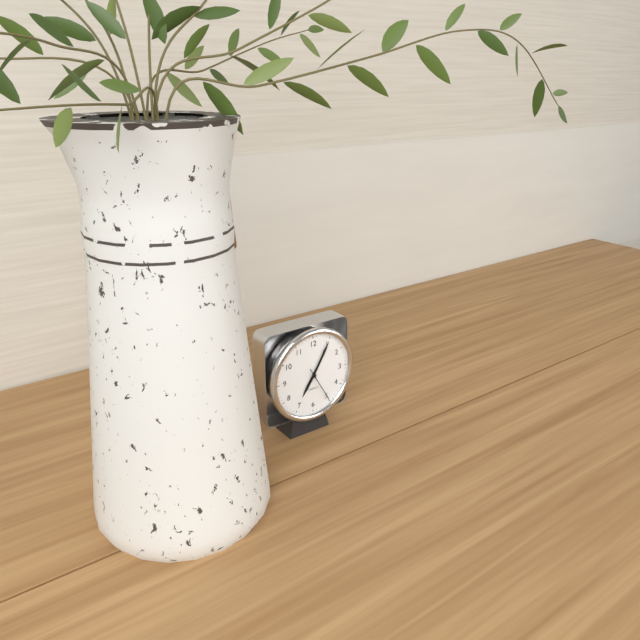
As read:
**7:05**
